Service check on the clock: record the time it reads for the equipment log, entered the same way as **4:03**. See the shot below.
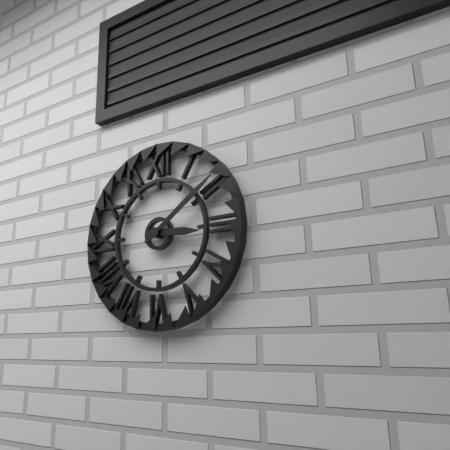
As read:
**3:09**
